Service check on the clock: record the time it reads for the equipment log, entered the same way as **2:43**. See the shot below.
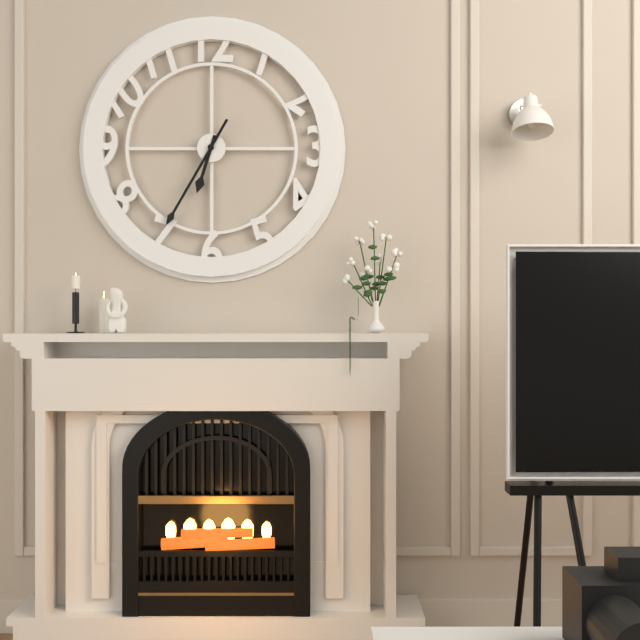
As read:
**6:35**
